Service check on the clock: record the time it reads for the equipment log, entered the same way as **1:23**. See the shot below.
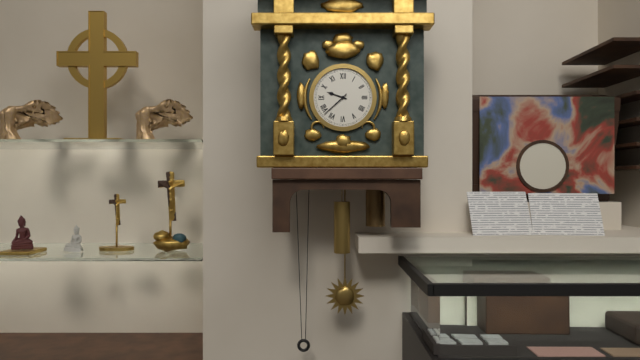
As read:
**9:38**
